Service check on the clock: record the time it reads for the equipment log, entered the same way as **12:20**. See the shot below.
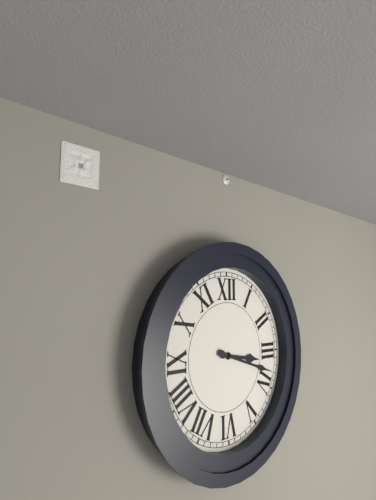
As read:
**3:18**
